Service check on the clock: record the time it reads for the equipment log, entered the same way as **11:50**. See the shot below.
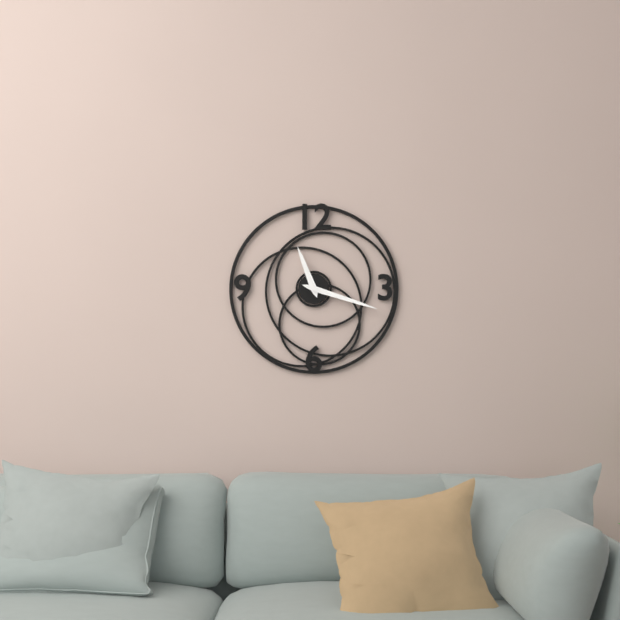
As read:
**11:18**
